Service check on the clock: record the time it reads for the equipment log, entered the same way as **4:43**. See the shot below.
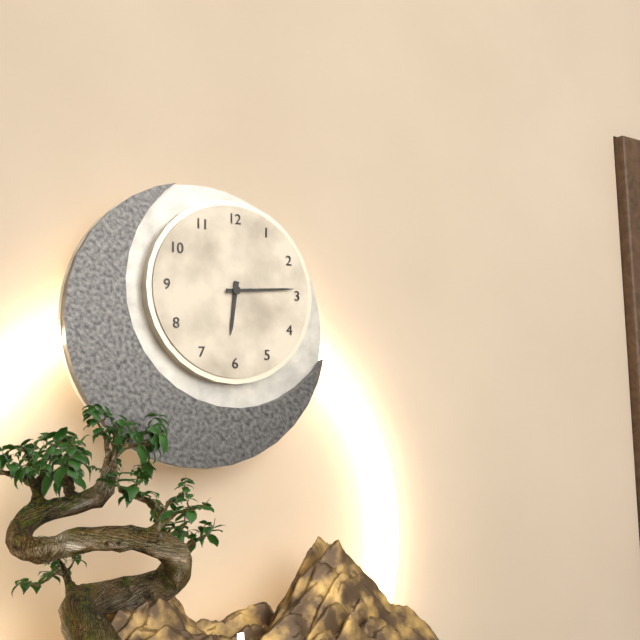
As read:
**6:14**
